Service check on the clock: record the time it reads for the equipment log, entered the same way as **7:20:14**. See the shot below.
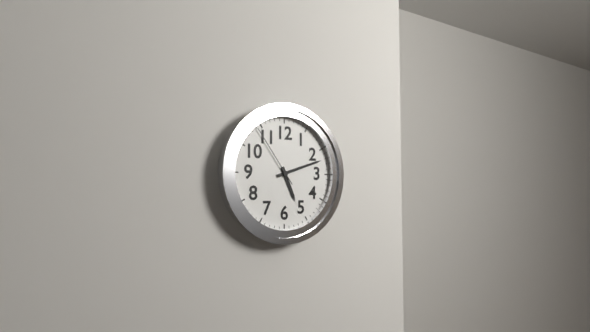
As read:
**5:12:54**
